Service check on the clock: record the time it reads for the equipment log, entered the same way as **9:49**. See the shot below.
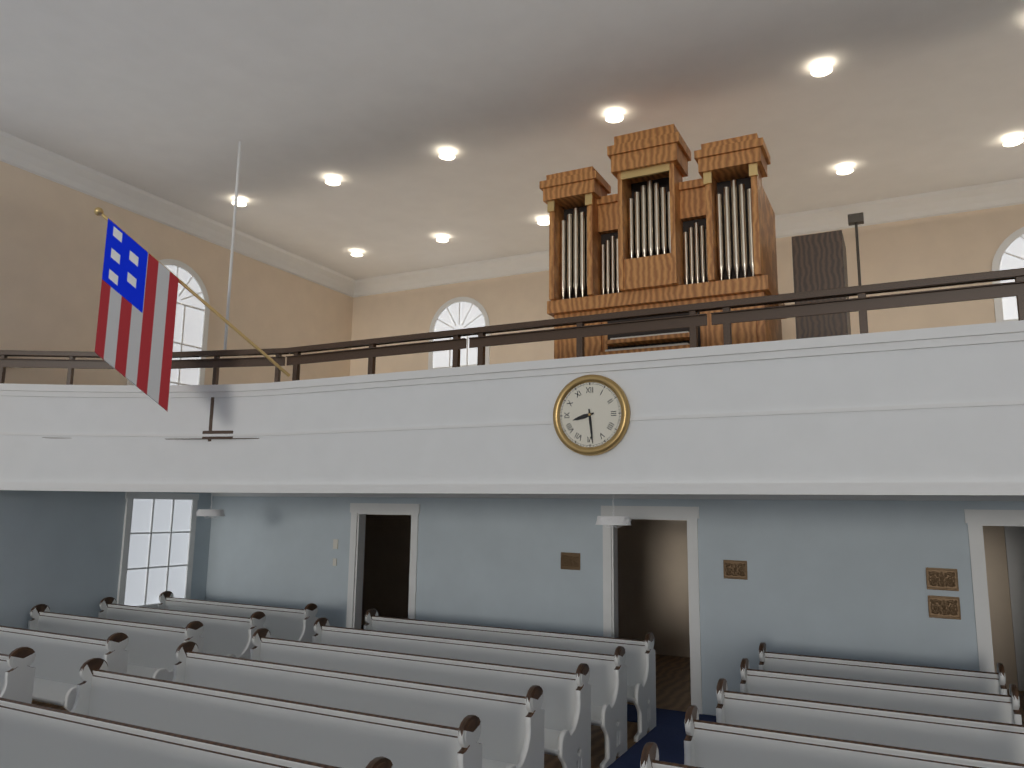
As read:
**8:29**
